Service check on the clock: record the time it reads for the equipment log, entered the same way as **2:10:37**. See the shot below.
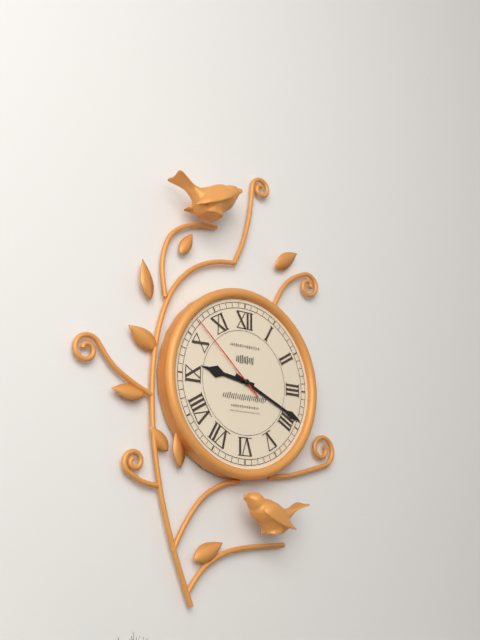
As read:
**9:19:52**
